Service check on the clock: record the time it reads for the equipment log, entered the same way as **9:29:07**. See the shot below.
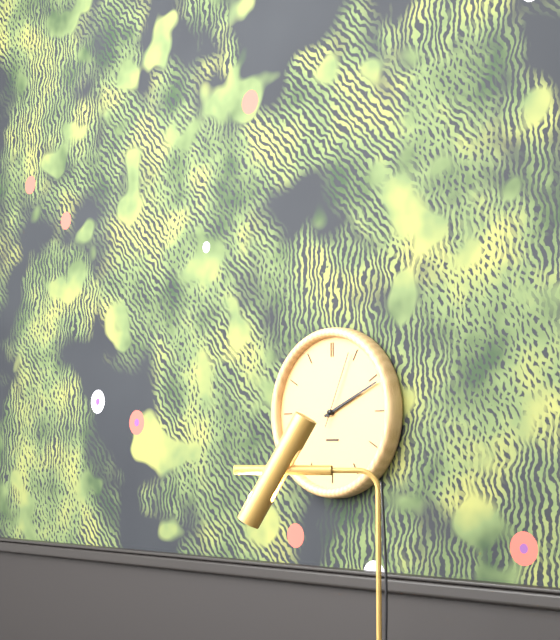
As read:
**2:11:04**
